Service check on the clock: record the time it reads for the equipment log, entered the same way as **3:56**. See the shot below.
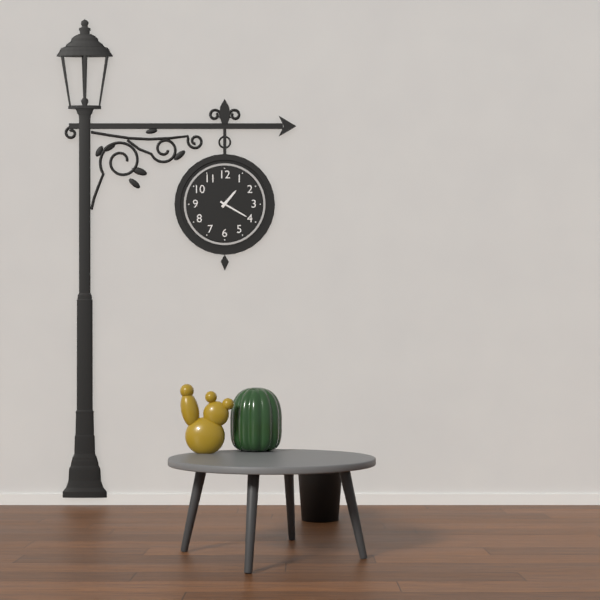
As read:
**1:20**
